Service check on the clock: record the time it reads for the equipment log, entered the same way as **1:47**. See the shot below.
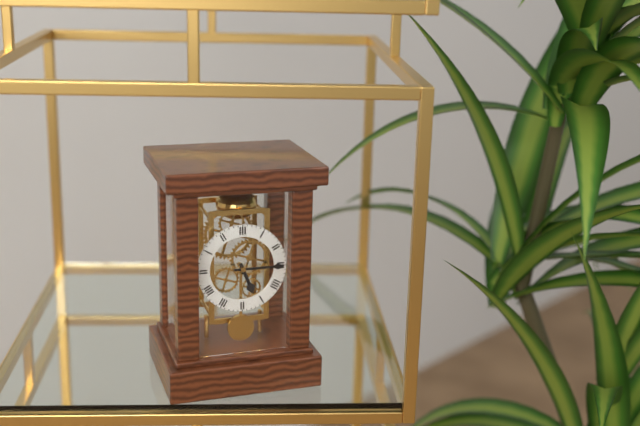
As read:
**5:15**
